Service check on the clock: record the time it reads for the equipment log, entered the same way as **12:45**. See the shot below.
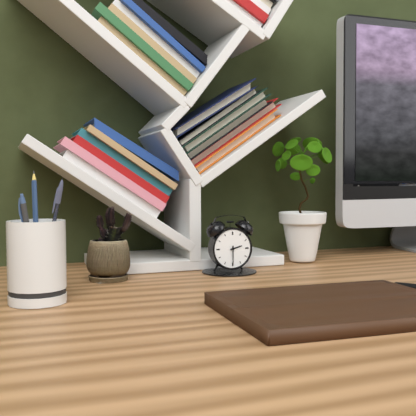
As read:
**2:30**
